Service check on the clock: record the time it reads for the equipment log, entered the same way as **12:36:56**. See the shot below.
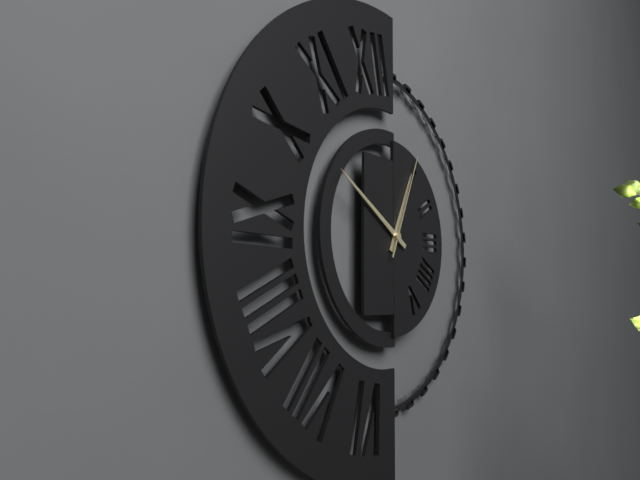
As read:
**12:50:04**
